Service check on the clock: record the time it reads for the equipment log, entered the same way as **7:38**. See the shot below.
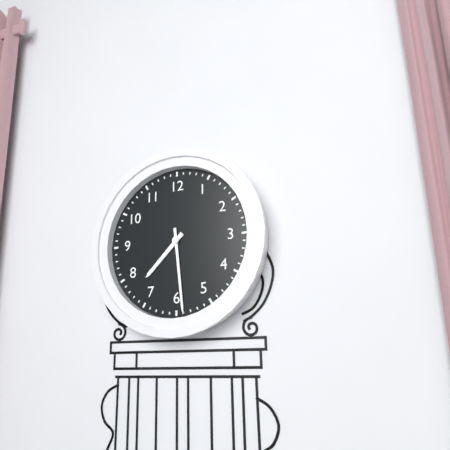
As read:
**7:29**
